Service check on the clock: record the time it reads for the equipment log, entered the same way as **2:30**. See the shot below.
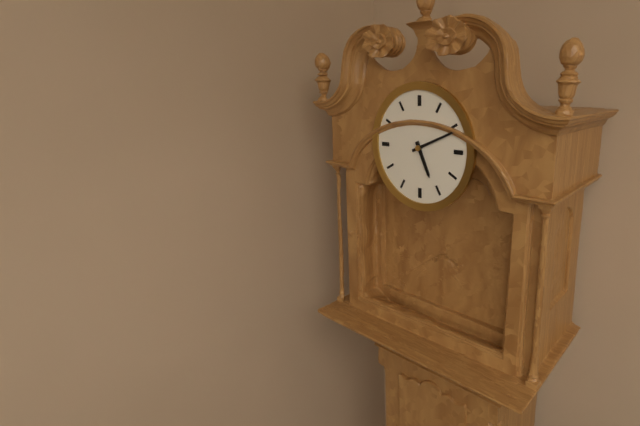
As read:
**5:11**
